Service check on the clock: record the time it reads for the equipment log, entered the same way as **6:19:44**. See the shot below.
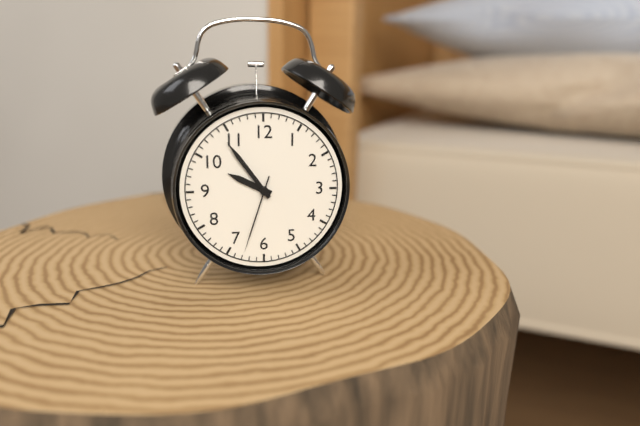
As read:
**9:54:33**
